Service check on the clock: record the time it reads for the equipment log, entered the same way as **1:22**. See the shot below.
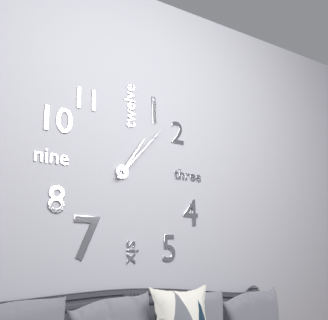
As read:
**1:07**
